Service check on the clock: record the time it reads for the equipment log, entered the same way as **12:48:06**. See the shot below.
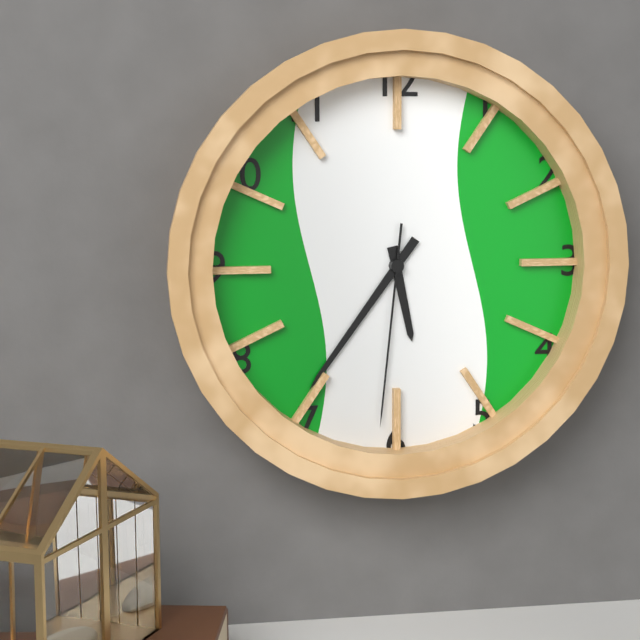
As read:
**5:36:31**
